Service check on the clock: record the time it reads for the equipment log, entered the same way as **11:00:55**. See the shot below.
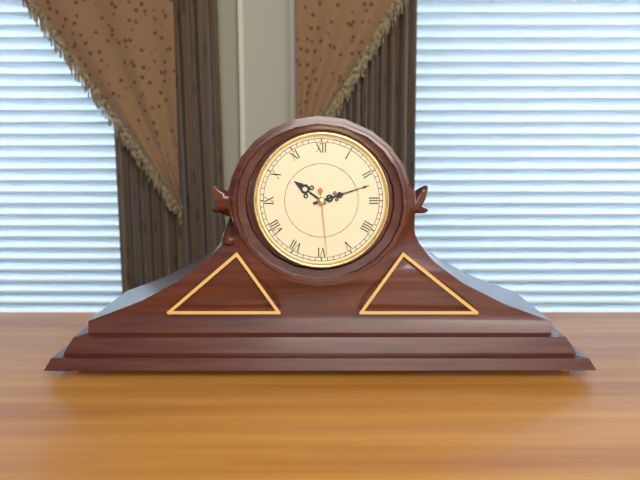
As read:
**10:12:29**
